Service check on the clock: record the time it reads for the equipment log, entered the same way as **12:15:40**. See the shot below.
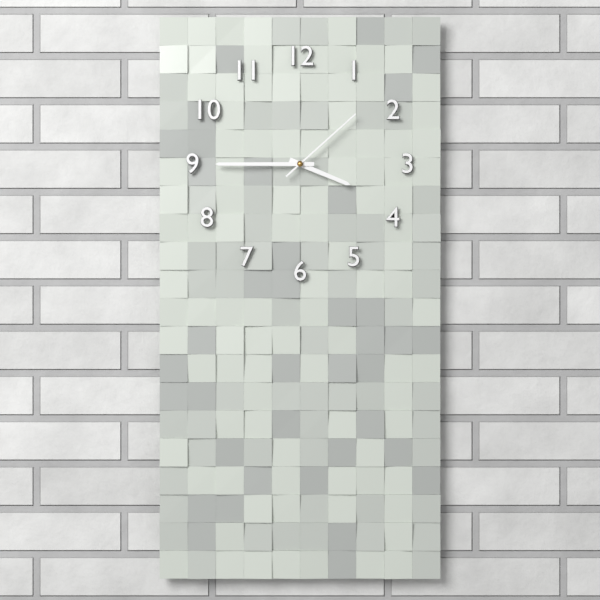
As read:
**3:45:08**
